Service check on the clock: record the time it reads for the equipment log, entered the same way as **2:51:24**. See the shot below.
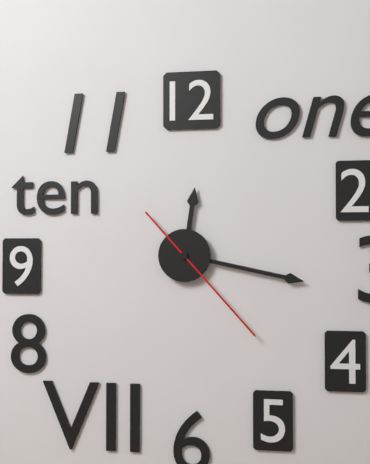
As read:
**12:17:23**
